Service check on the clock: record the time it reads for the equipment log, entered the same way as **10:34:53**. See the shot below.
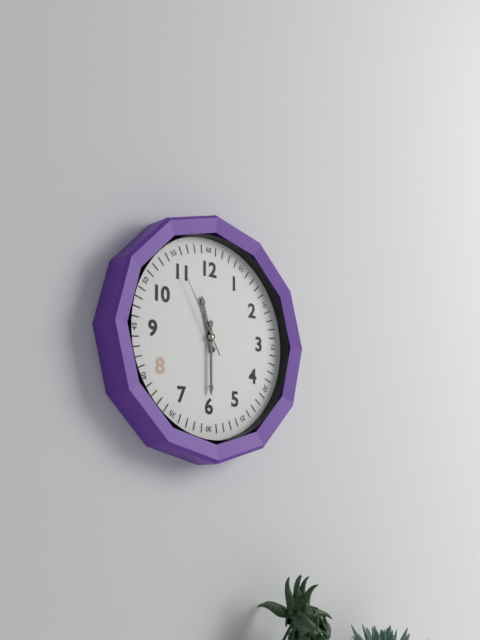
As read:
**11:30:55**
